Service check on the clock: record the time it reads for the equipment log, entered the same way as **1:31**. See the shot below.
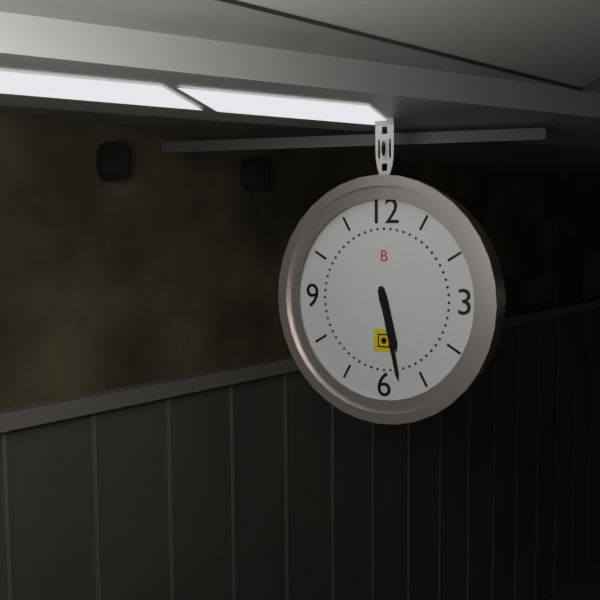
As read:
**5:28**
